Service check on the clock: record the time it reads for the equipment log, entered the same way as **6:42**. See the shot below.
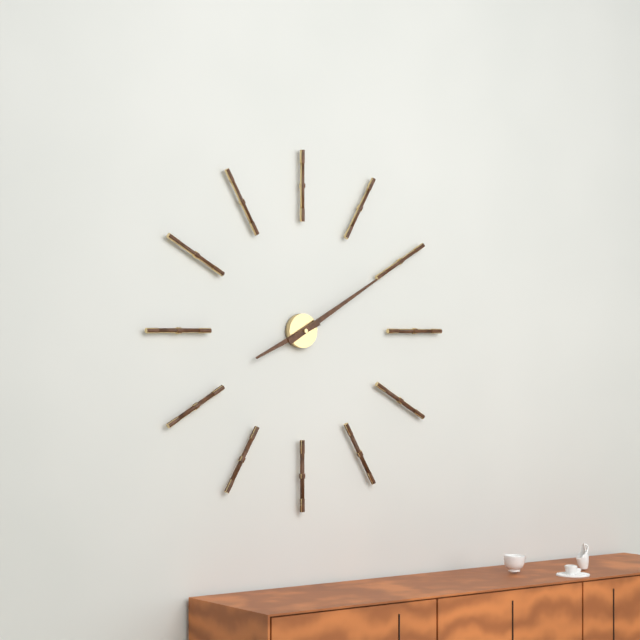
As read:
**8:10**
